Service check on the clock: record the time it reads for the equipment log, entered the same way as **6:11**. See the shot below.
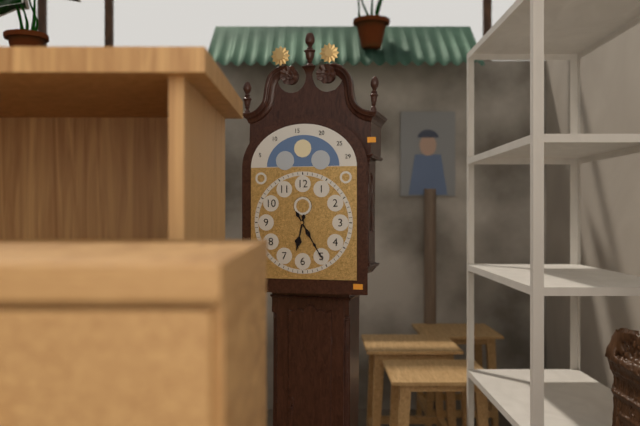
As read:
**6:25**
